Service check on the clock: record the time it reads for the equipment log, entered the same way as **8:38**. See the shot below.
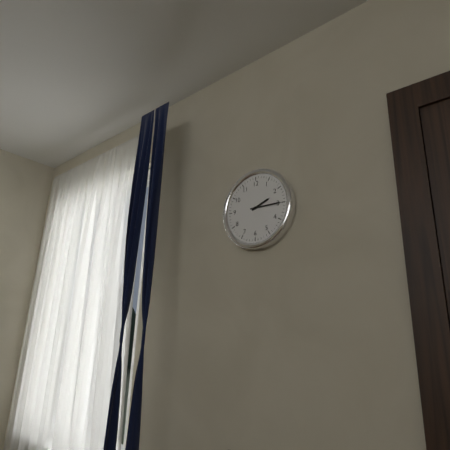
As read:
**2:15**
